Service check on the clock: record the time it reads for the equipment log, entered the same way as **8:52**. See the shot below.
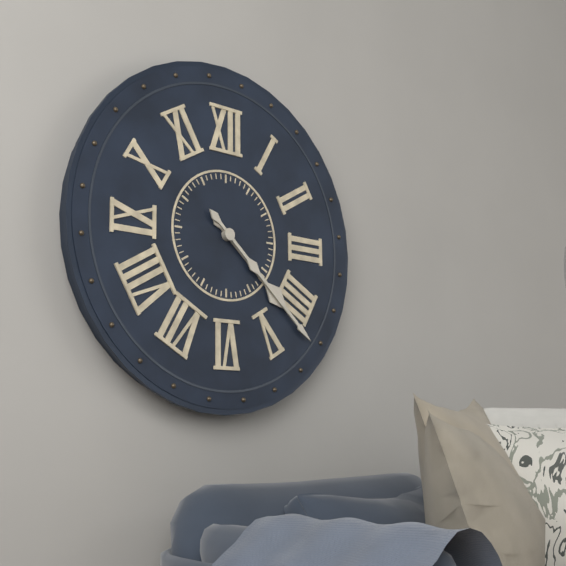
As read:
**4:22**
